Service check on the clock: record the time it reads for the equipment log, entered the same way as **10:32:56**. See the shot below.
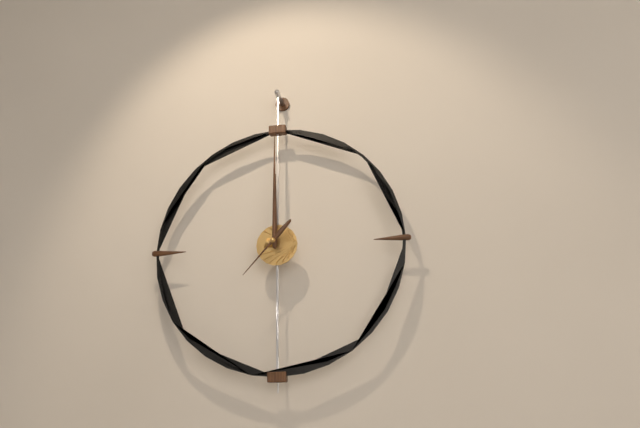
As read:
**12:00:37**
